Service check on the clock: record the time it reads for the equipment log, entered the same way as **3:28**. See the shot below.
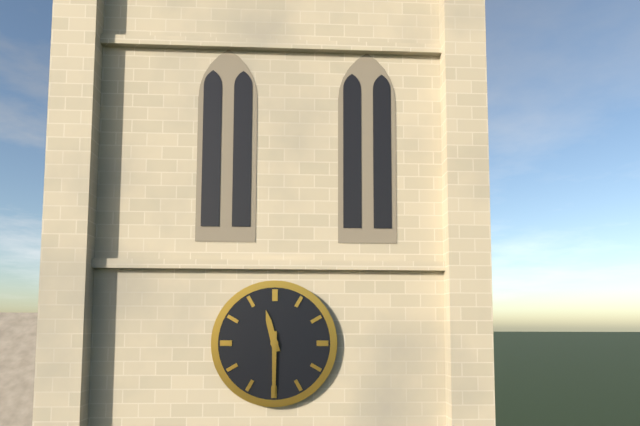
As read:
**11:30**
